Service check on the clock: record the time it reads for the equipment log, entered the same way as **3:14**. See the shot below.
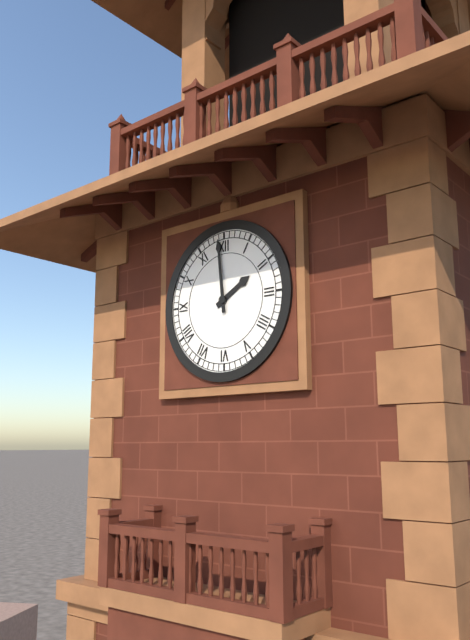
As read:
**1:59**
